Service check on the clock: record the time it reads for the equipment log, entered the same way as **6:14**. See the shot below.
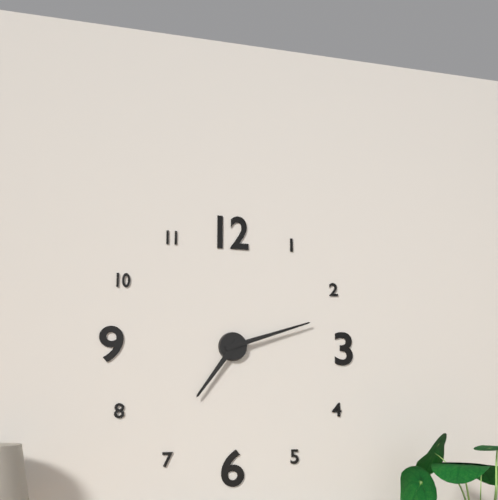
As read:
**7:12**
